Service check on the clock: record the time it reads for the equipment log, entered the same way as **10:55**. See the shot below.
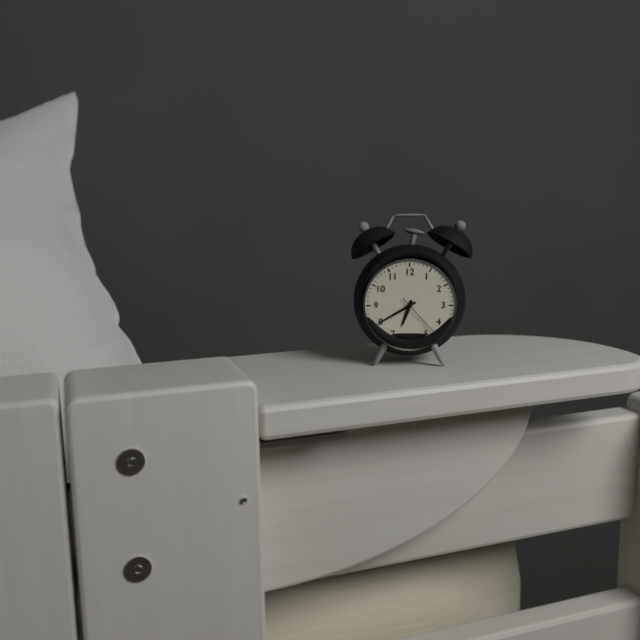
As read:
**6:40**
